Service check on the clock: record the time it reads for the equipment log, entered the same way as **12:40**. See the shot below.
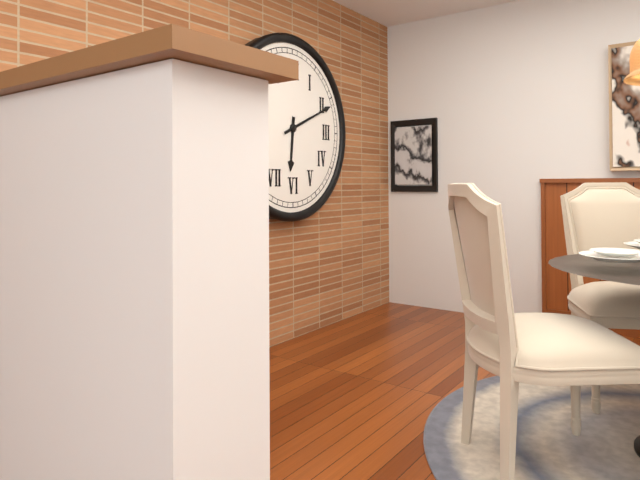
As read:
**6:11**
